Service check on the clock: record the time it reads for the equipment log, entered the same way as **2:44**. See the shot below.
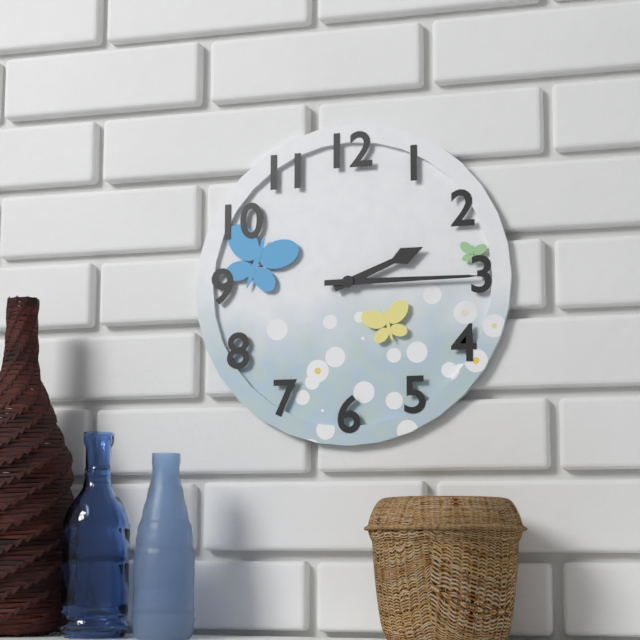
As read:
**2:15**
